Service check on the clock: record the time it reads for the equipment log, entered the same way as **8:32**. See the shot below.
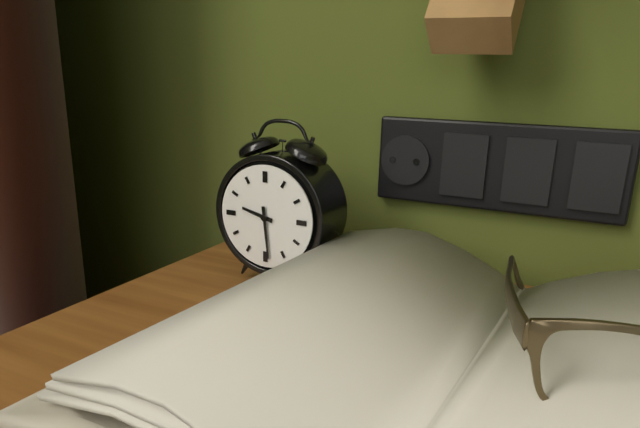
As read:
**9:29**
